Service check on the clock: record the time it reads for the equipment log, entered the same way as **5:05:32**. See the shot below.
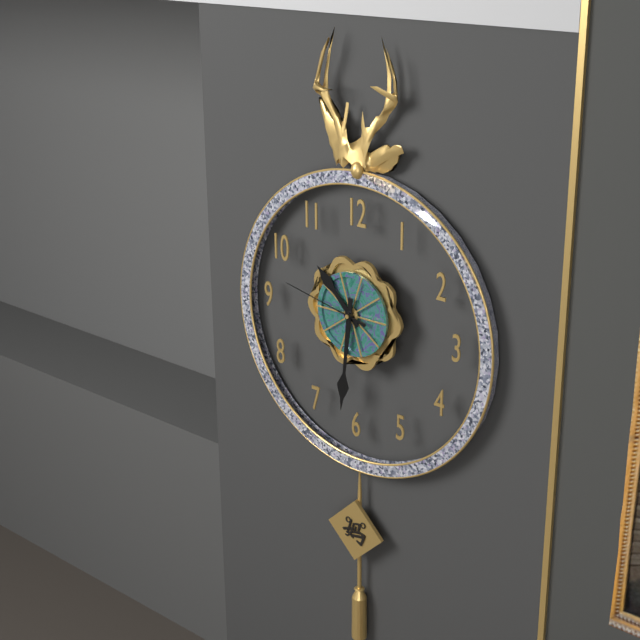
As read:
**10:31:47**
